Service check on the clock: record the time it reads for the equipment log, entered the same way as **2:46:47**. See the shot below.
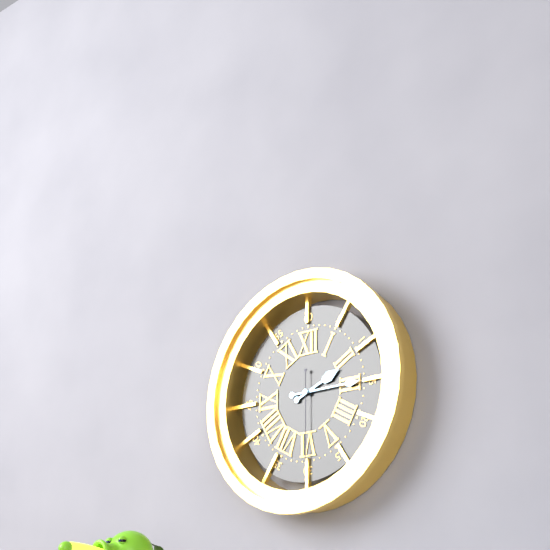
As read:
**2:15:30**
